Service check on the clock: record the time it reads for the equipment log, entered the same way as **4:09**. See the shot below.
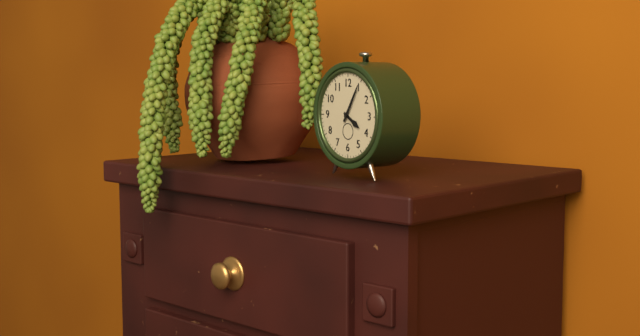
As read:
**4:05**
